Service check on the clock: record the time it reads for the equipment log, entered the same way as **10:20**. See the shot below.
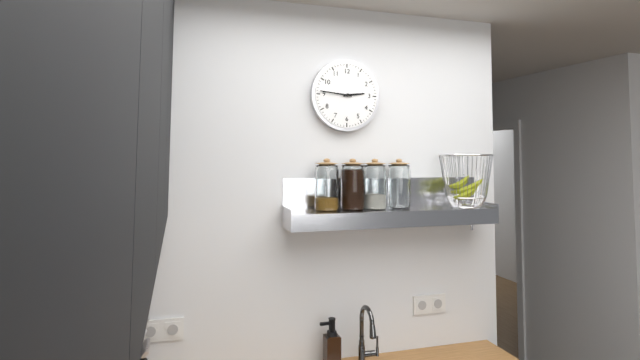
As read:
**2:46**
